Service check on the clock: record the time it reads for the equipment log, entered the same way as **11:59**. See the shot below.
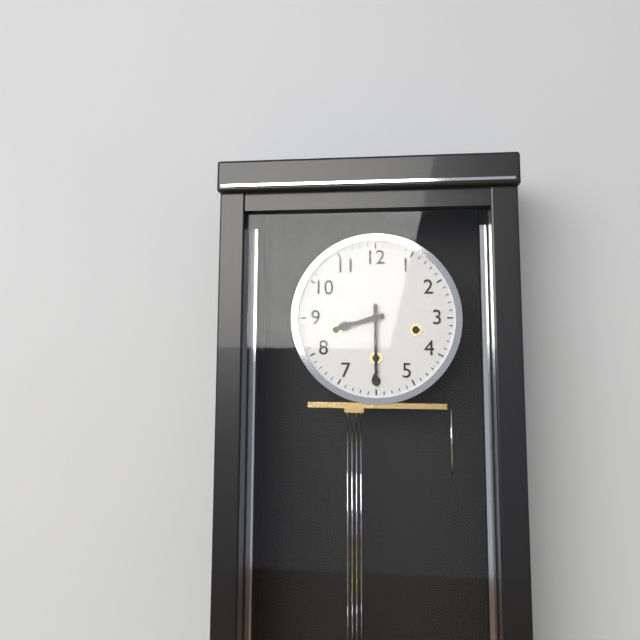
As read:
**8:30**
